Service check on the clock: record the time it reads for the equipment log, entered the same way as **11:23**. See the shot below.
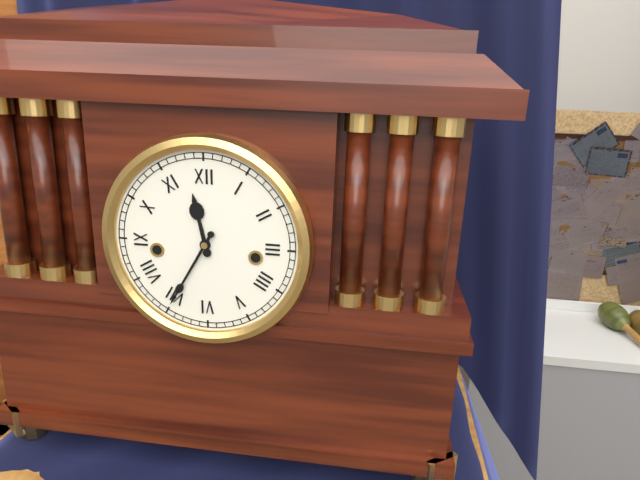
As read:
**11:35**
